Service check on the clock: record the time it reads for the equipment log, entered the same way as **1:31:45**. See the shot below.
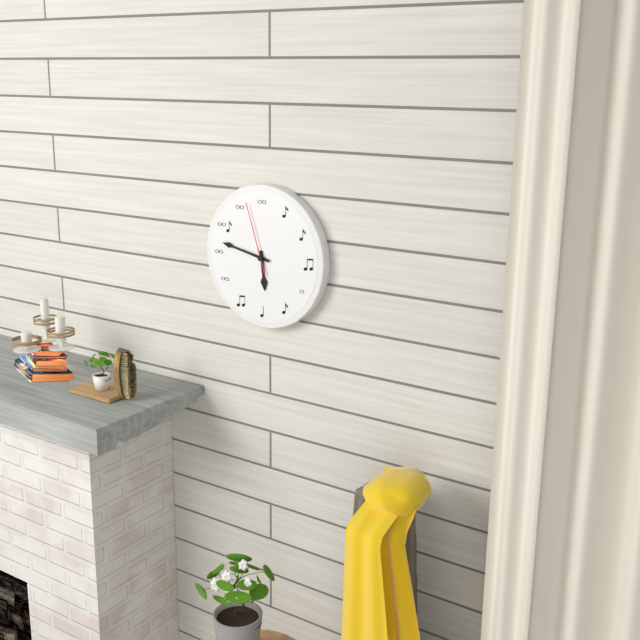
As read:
**5:47:57**
